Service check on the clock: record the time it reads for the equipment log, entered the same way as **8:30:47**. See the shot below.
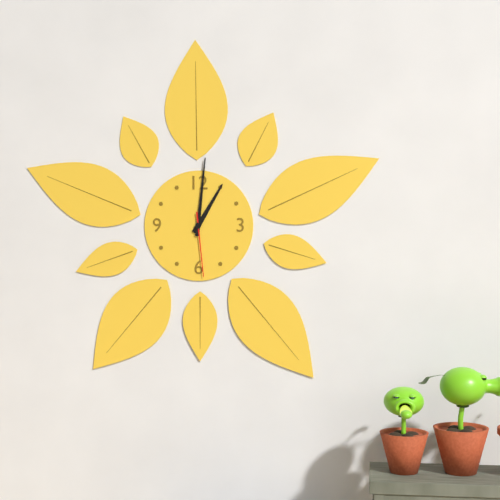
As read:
**1:01:29**
